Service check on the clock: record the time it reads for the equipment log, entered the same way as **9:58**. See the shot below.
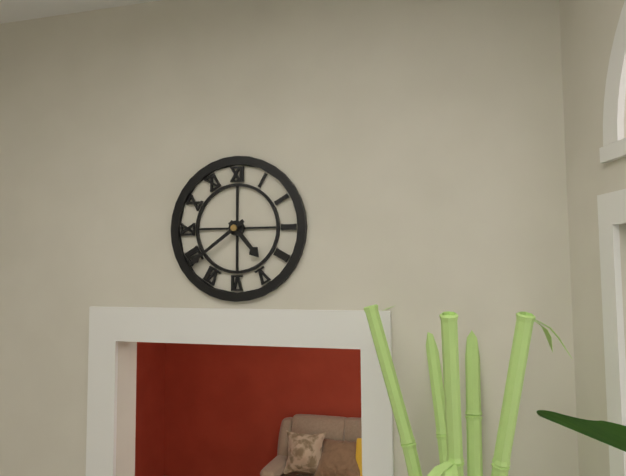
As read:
**4:39**
